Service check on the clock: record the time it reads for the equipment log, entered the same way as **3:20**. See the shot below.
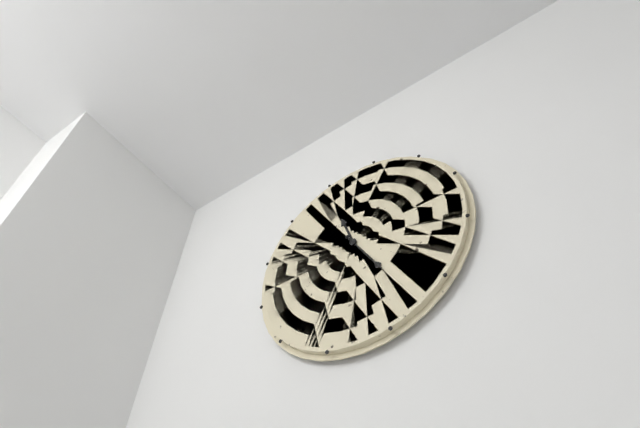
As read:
**11:25**
